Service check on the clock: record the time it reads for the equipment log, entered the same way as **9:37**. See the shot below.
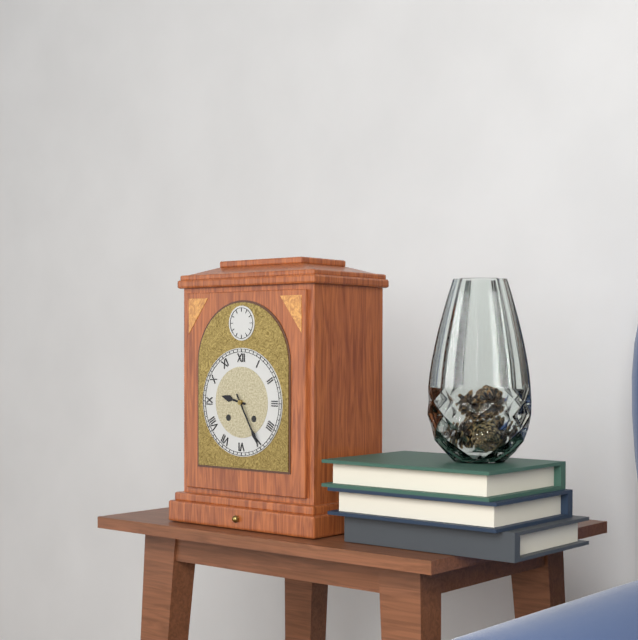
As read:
**9:25**
